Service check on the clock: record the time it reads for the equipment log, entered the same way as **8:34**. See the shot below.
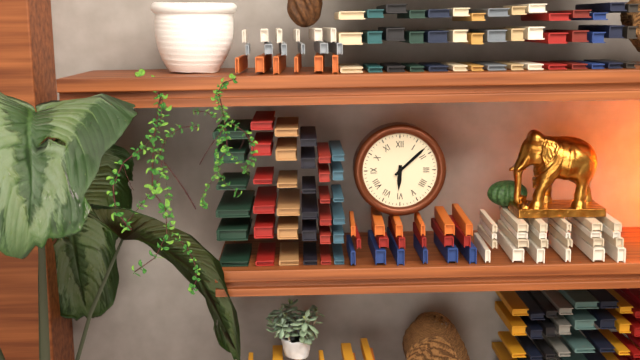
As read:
**6:08**
